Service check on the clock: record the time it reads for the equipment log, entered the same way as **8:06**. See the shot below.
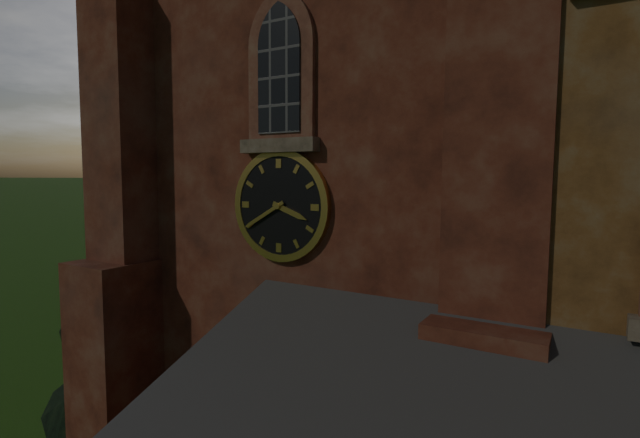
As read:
**3:40**
